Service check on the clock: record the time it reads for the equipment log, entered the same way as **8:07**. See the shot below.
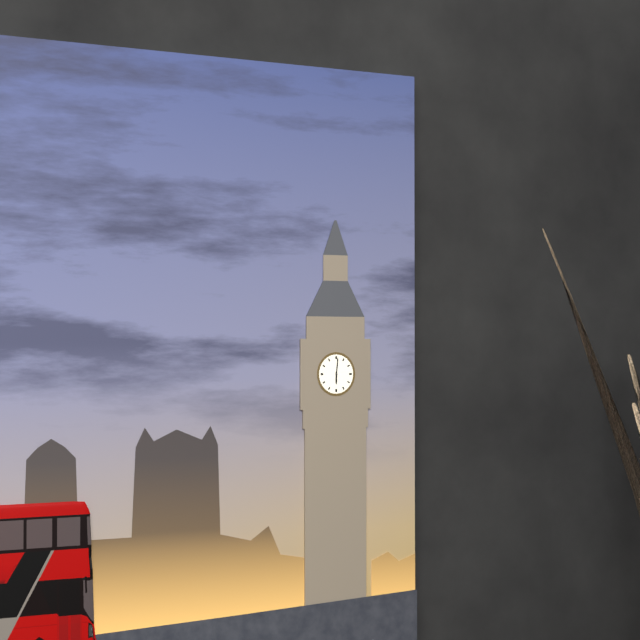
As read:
**6:01**
